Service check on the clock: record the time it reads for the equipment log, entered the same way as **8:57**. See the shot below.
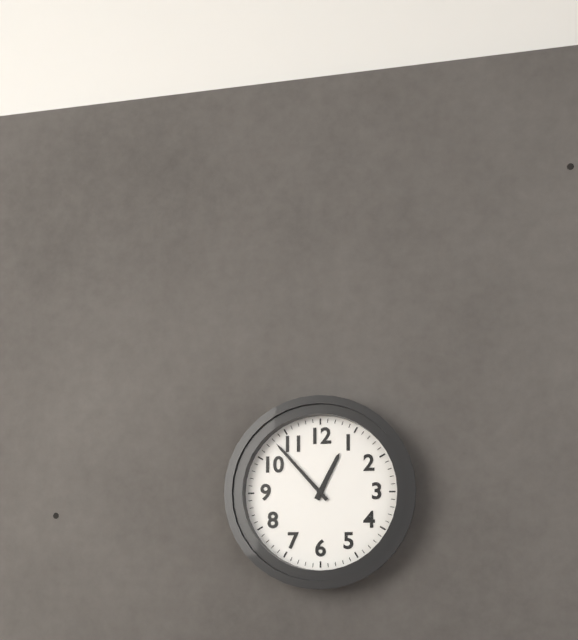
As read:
**12:53**
